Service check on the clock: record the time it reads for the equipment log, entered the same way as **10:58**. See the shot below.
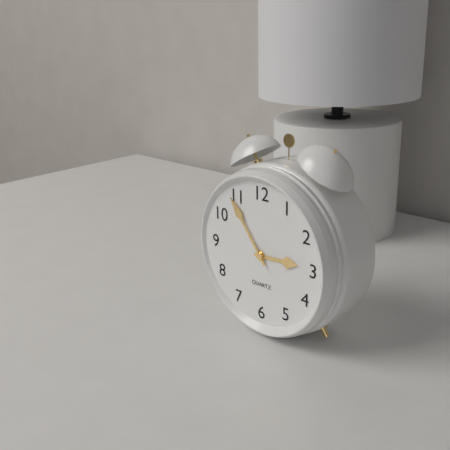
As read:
**2:54**
